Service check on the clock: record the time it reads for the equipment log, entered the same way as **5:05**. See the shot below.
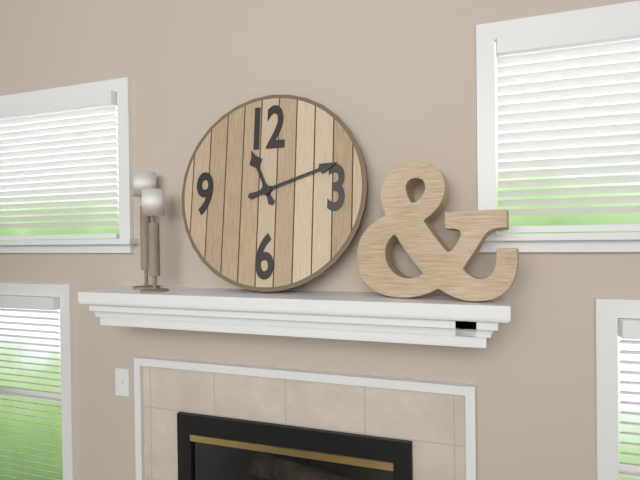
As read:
**11:12**
